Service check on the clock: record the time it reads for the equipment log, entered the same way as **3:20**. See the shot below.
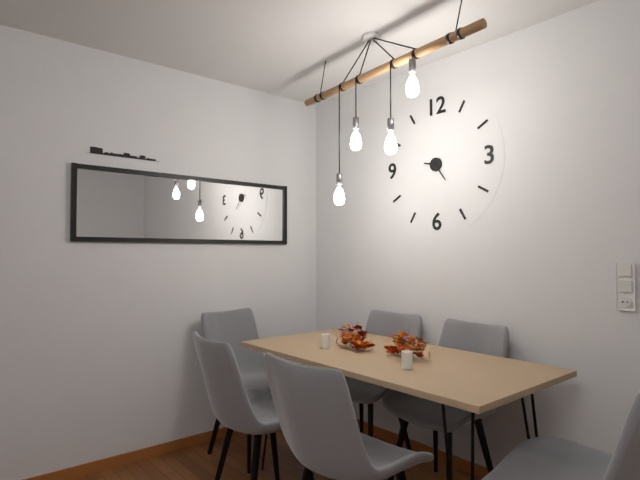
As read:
**9:24**
